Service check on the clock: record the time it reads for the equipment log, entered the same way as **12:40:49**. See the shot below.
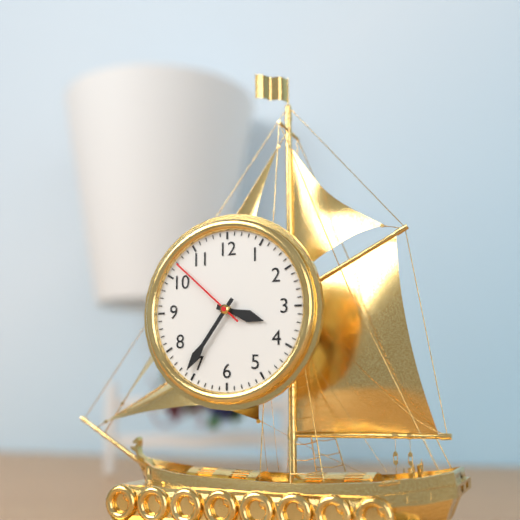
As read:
**3:36:52**
